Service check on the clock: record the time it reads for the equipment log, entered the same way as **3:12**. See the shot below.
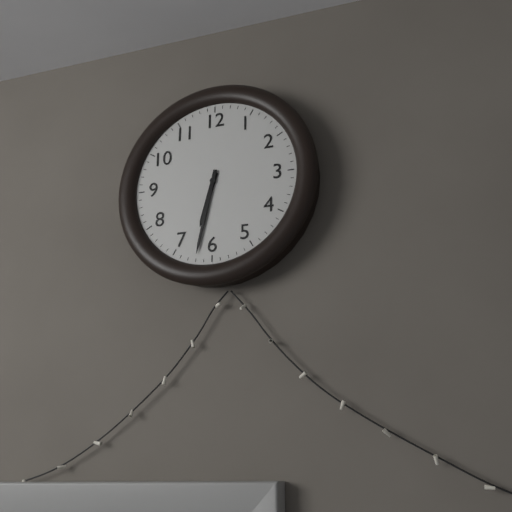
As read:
**6:32**
